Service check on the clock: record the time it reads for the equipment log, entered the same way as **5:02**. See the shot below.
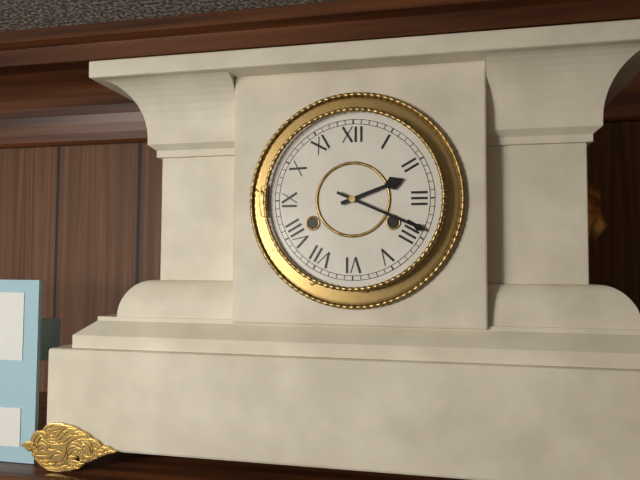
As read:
**2:19**
